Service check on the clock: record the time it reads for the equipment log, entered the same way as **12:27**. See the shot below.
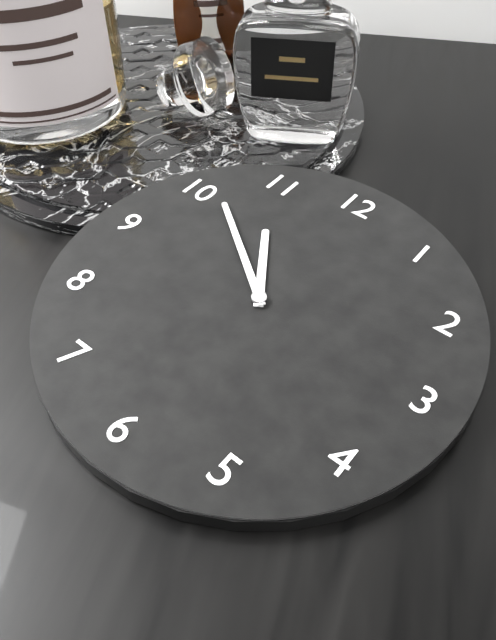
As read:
**10:51**
